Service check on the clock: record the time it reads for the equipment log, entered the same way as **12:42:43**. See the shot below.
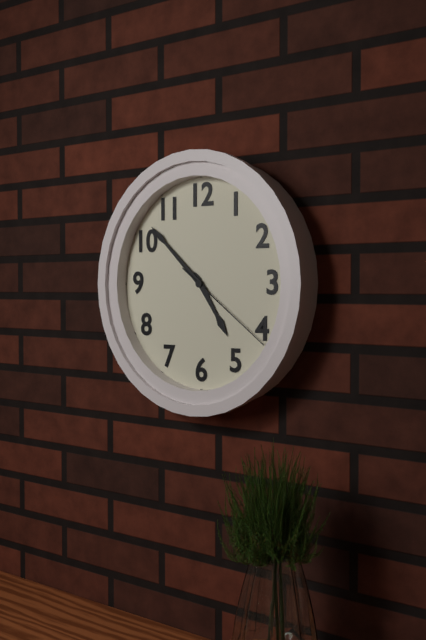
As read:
**4:52:21**
